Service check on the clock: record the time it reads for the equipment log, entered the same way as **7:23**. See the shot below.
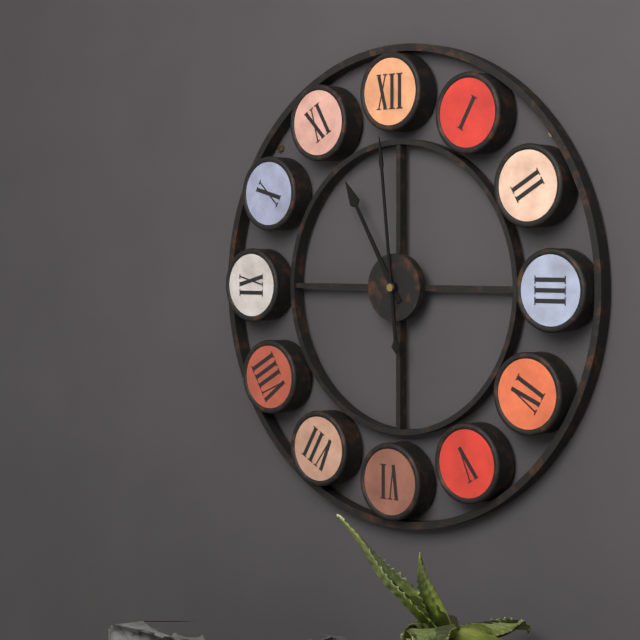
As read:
**10:59**
